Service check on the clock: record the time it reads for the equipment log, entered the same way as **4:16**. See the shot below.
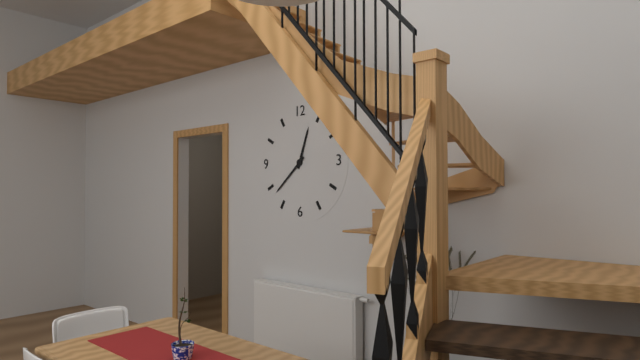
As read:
**12:38**
